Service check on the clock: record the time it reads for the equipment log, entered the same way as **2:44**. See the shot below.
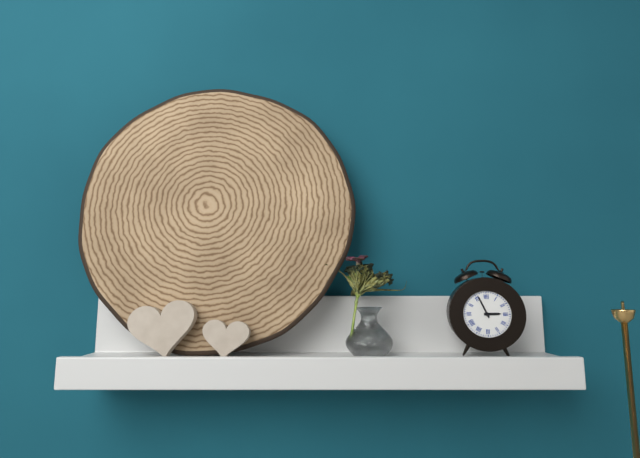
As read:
**2:56**
